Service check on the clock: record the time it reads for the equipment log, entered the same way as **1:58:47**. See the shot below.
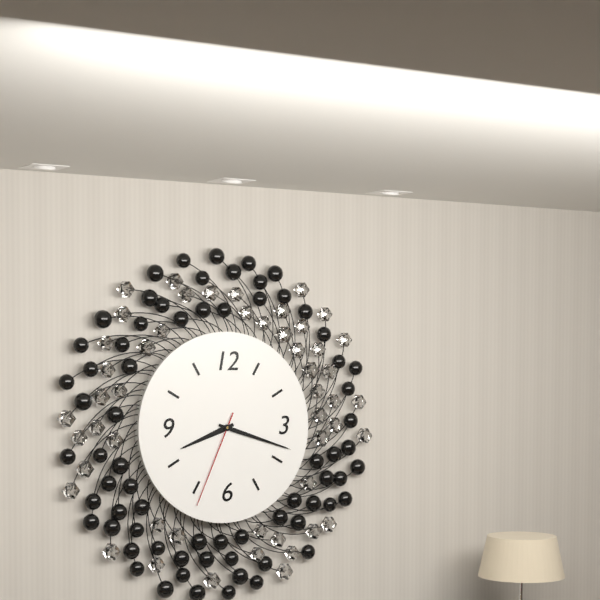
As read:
**8:18:34**
